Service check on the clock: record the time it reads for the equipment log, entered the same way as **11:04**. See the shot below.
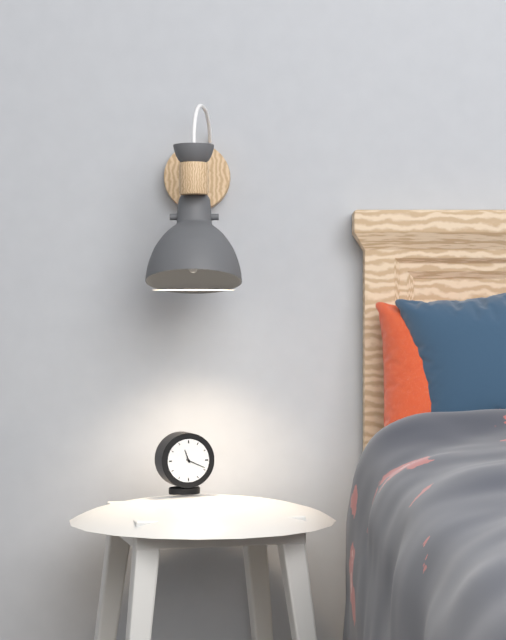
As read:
**11:19**
